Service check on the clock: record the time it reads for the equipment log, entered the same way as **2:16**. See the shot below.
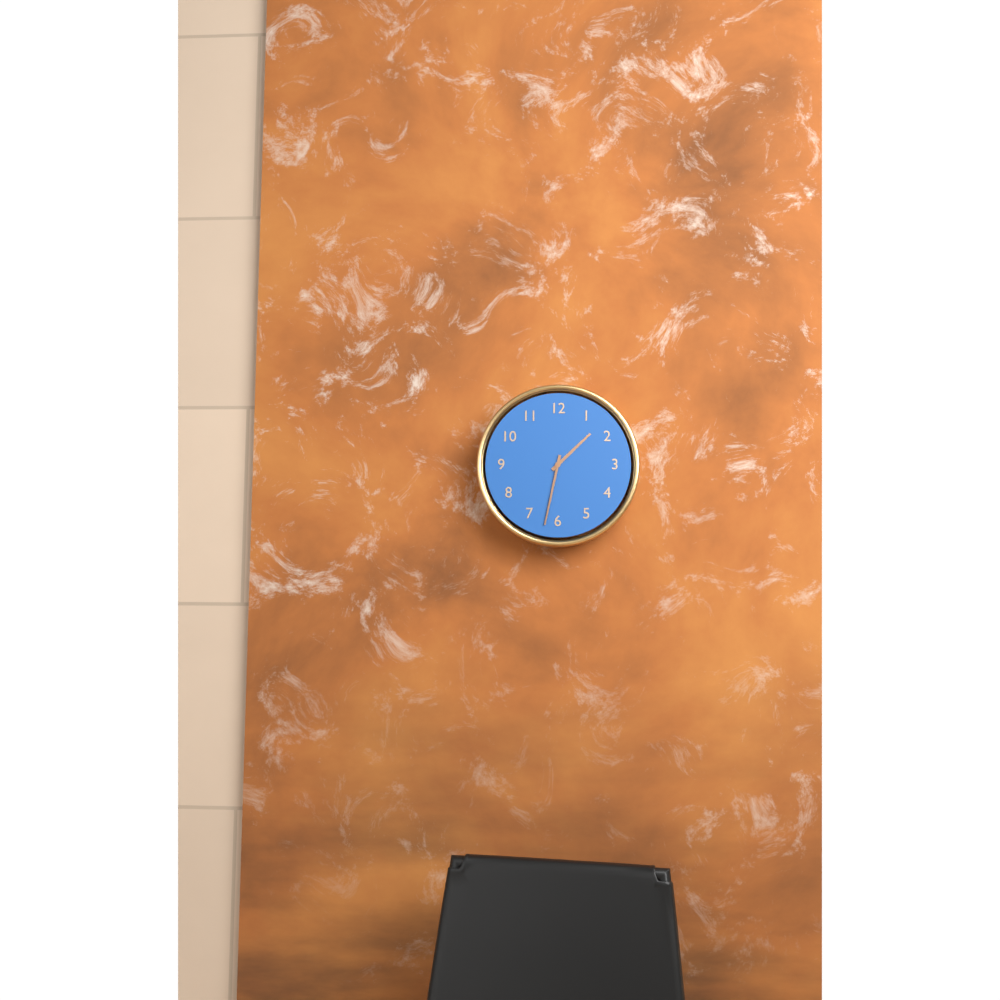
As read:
**1:32**
